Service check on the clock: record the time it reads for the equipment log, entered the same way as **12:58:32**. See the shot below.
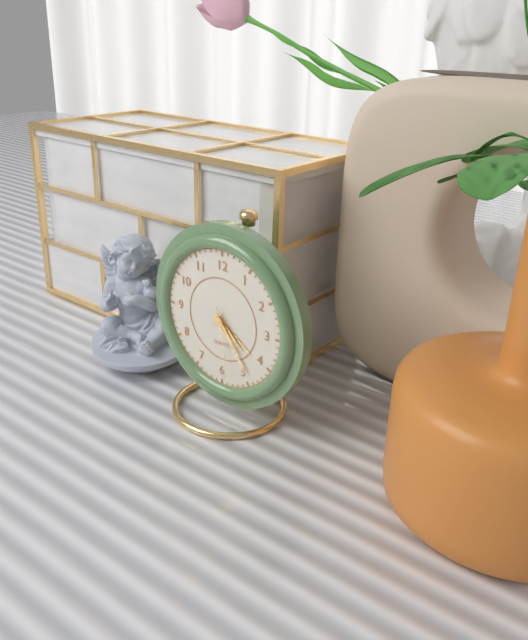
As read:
**4:24:28**
